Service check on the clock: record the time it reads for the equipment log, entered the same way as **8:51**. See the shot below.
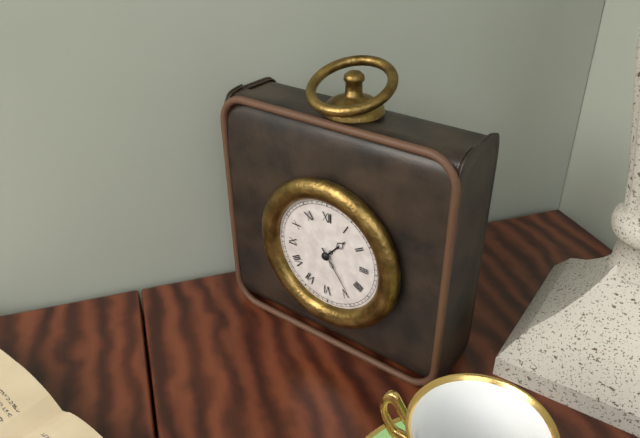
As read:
**1:24**
